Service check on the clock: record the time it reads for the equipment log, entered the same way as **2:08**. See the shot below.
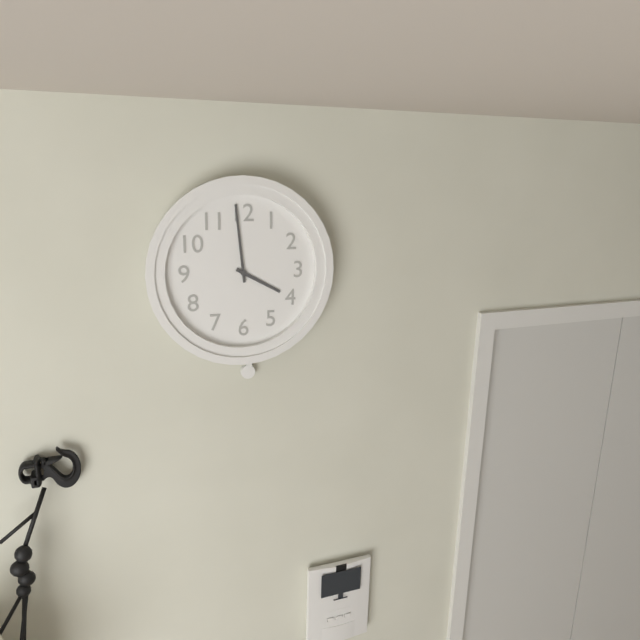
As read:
**3:59**
